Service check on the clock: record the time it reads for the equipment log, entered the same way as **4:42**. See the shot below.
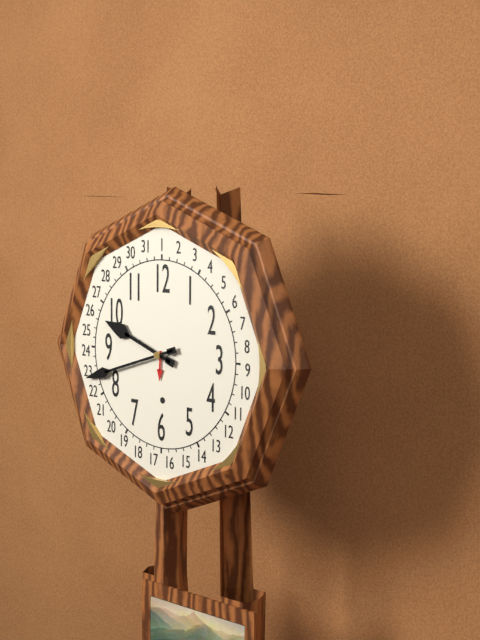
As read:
**9:42**
